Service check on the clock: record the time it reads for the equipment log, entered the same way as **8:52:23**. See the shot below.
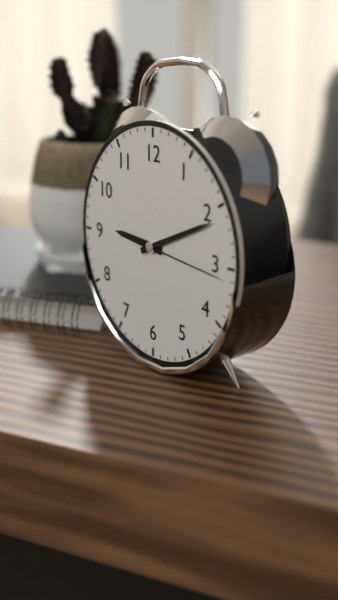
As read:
**9:11:16**
